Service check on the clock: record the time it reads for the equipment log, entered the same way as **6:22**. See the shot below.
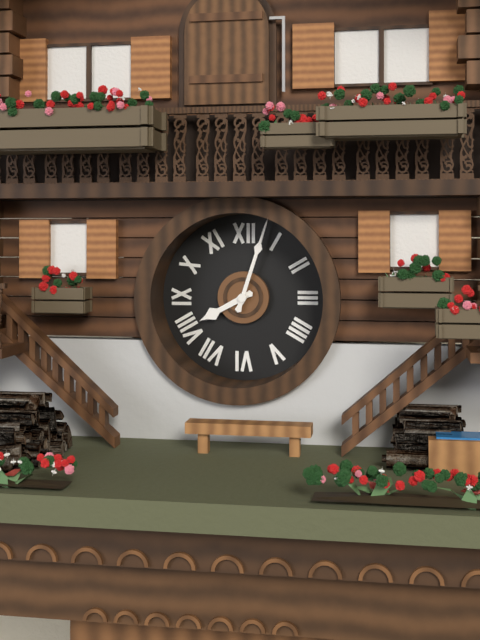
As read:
**8:03**
